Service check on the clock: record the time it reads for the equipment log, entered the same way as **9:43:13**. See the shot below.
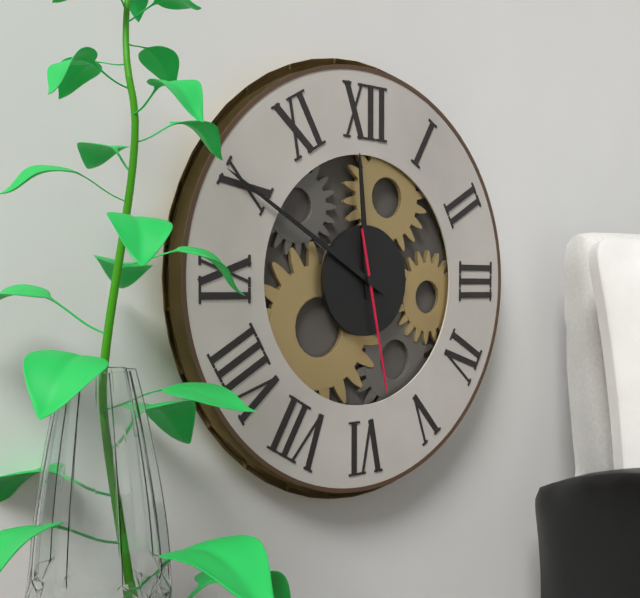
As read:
**11:50:28**
